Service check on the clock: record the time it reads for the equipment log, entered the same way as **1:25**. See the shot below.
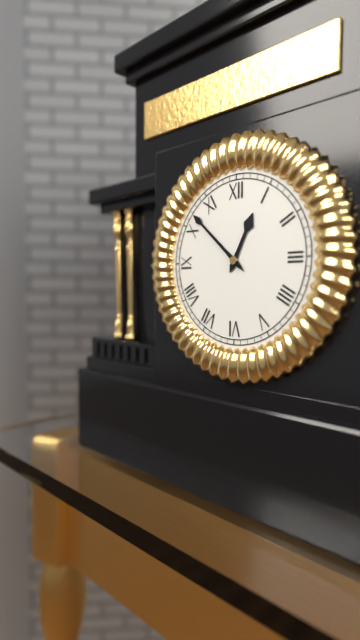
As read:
**12:52**
